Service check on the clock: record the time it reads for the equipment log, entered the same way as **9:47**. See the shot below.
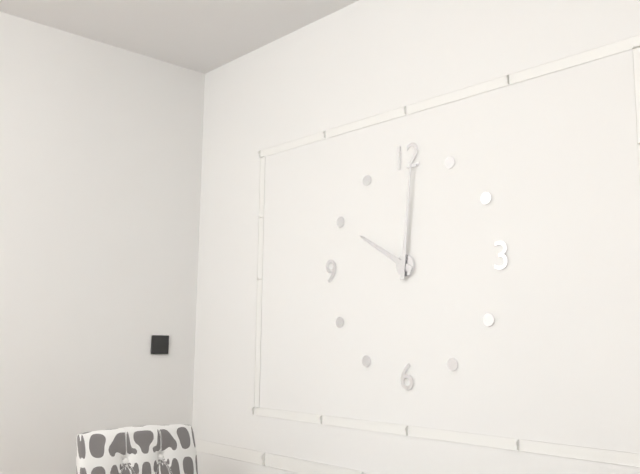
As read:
**10:01**
